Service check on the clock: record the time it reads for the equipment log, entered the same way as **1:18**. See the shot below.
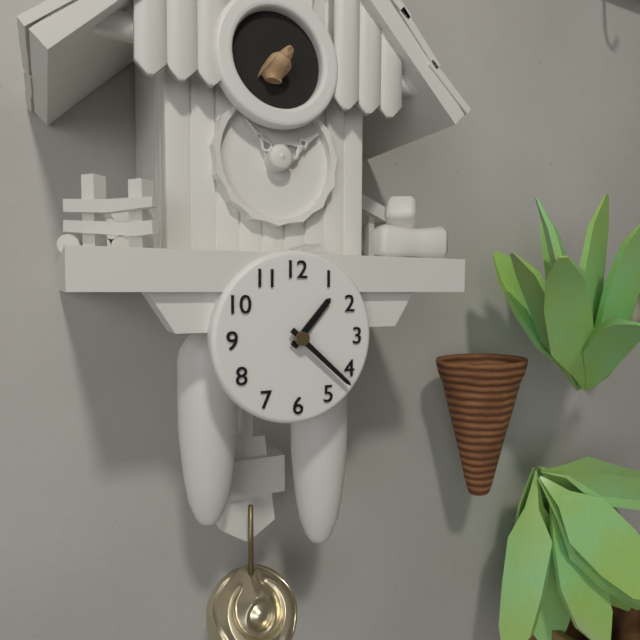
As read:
**1:22**
